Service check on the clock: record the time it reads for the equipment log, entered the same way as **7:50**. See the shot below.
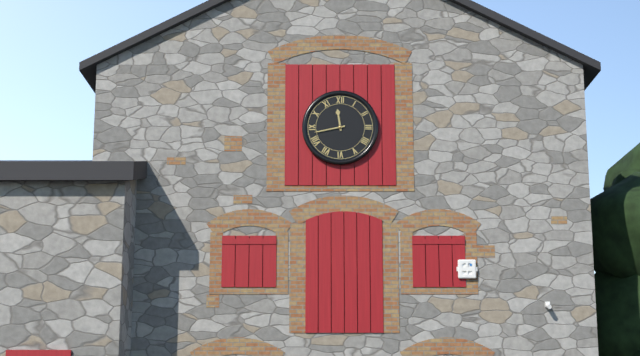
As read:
**11:43**
